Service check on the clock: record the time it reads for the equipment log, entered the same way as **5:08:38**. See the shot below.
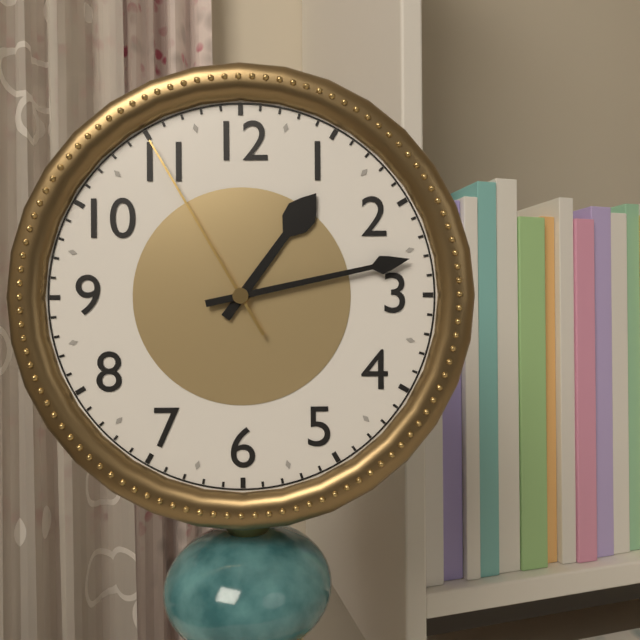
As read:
**1:13:55**
